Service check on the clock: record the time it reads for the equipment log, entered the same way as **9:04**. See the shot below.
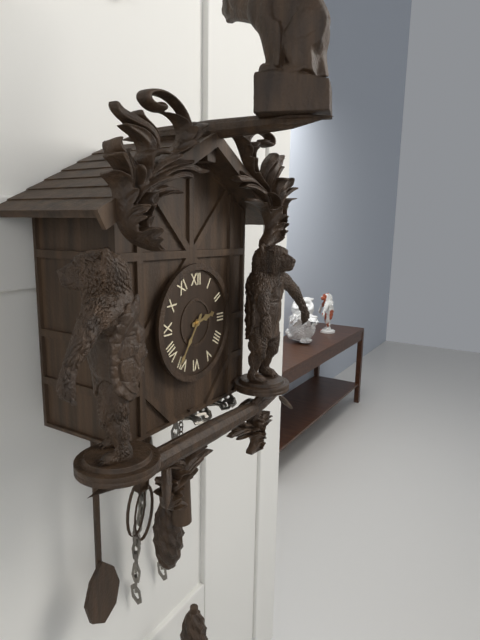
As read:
**2:36**
